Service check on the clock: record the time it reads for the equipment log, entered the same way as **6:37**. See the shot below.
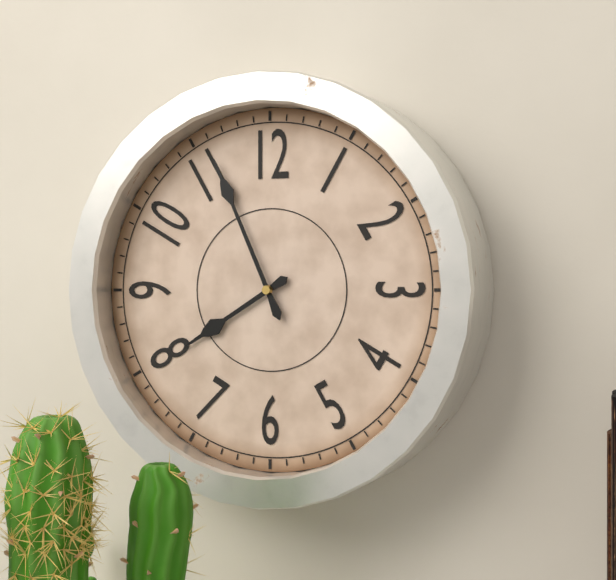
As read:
**7:56**
